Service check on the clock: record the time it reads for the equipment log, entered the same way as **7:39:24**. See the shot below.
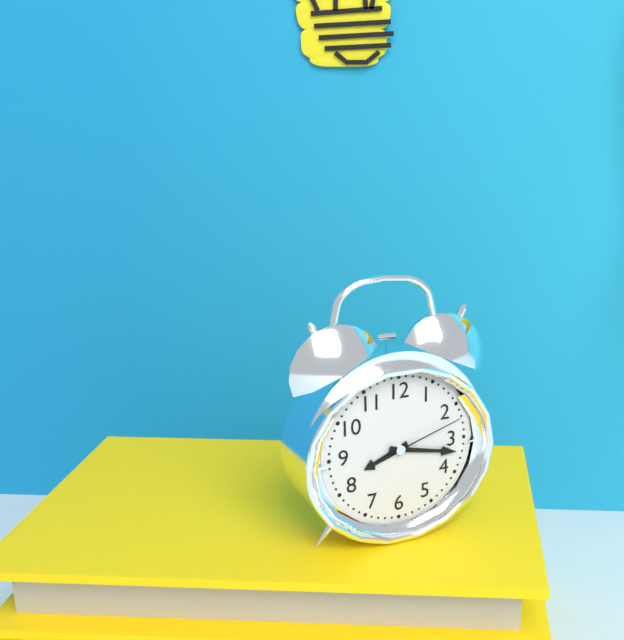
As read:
**8:17:12**
